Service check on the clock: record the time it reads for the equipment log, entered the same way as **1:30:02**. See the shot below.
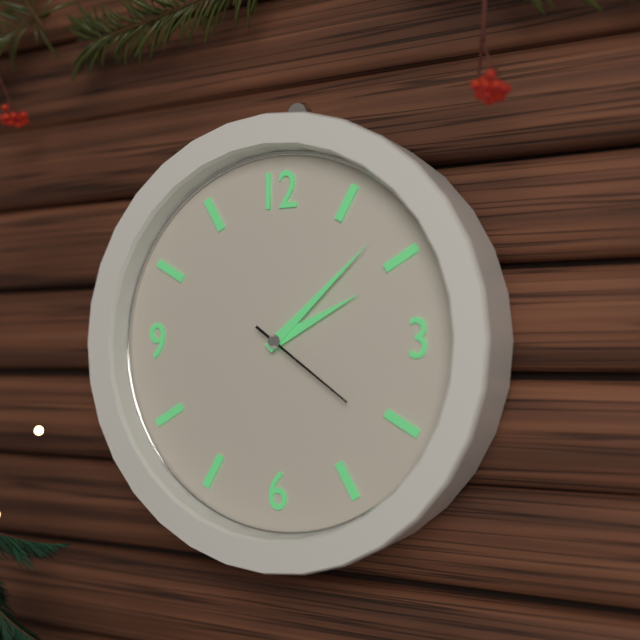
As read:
**2:08:21**
